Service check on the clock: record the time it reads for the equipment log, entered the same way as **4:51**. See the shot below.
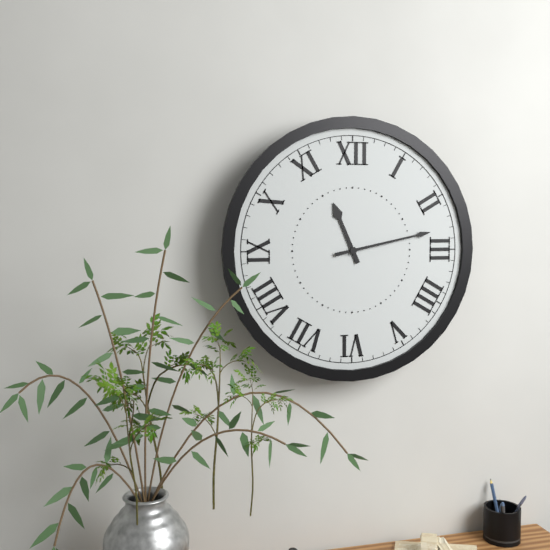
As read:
**11:13**
